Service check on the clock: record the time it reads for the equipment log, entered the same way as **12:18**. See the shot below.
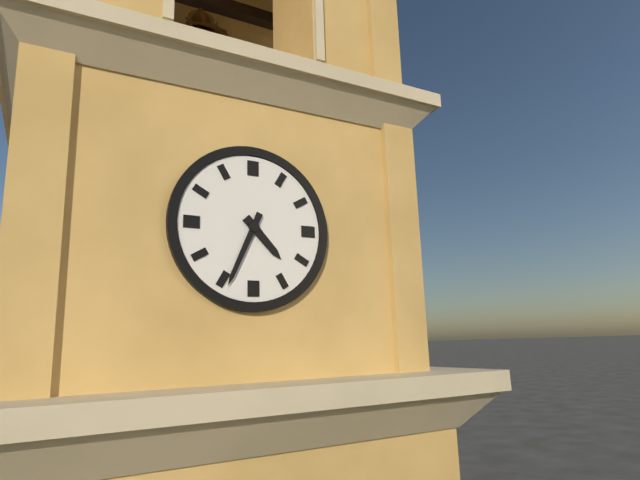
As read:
**4:34**
